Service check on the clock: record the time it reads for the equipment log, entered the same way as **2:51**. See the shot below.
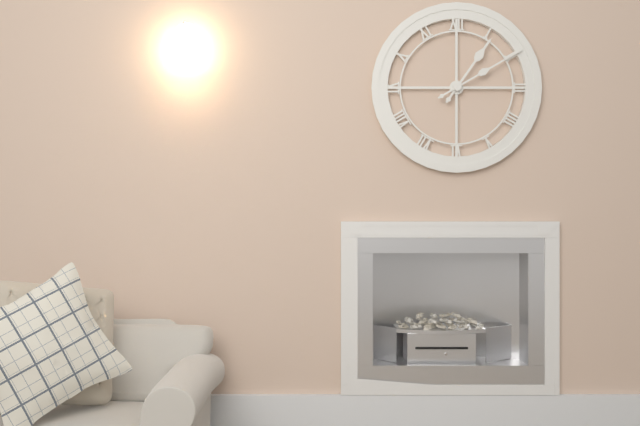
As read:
**1:10**
